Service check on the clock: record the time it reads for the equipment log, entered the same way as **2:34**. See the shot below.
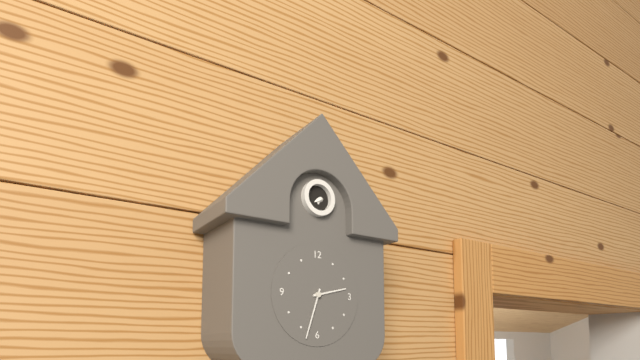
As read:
**2:33**
